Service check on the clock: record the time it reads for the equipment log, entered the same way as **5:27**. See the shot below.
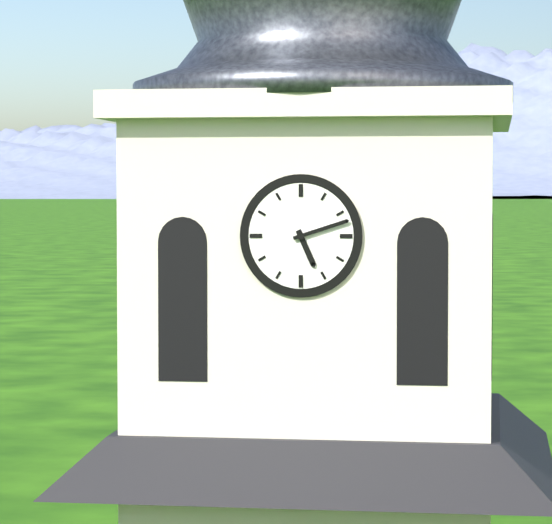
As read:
**5:12**
